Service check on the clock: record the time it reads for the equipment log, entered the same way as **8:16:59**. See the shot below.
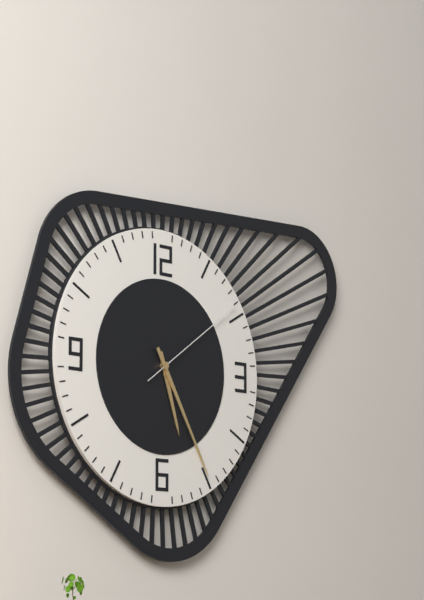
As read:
**5:25:09**
